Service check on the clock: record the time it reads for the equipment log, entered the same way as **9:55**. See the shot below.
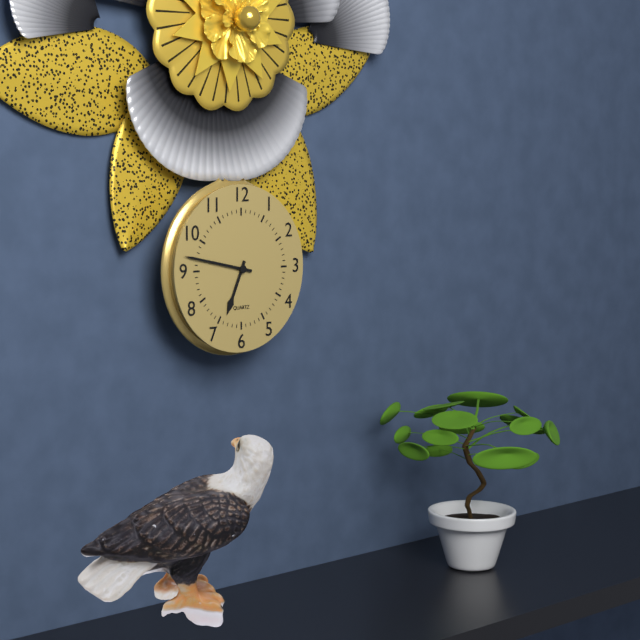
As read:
**6:47**
